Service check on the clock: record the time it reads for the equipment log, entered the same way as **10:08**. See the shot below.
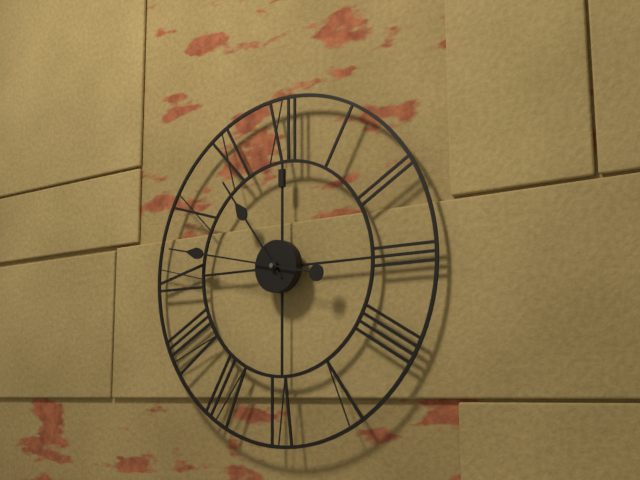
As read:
**10:47**
